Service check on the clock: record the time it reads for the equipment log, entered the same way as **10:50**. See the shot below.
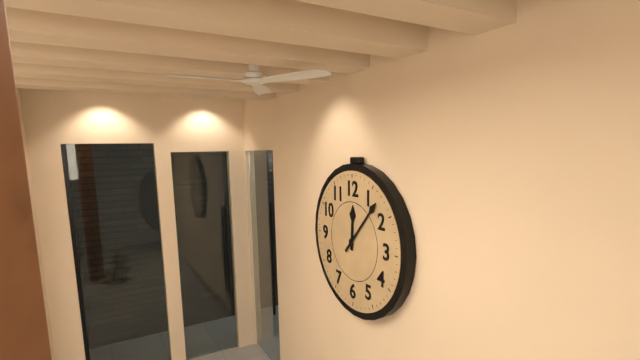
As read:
**12:07**
